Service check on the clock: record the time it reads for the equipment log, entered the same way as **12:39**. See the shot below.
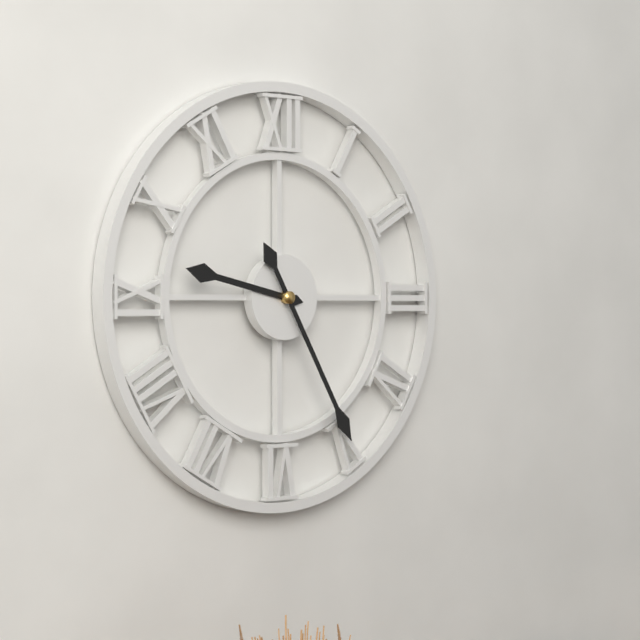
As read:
**9:25**
